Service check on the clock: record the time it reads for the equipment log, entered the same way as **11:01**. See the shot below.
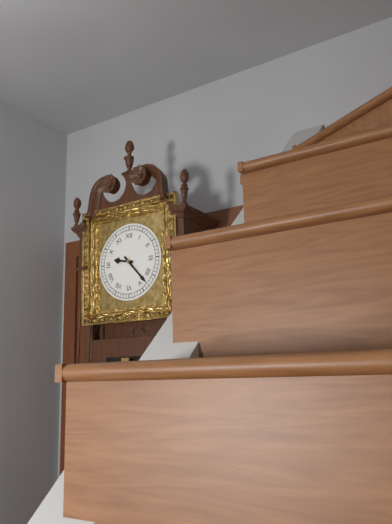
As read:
**9:23**
